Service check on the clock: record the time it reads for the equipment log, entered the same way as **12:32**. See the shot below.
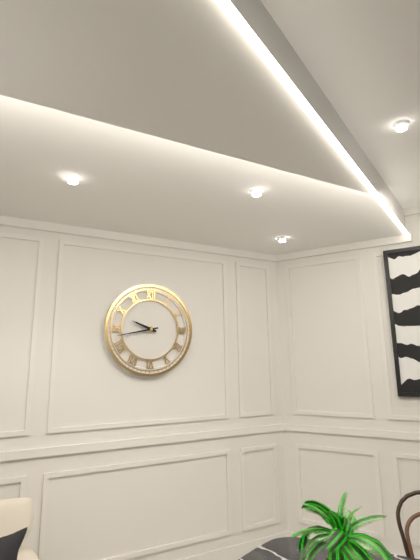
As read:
**9:43**
